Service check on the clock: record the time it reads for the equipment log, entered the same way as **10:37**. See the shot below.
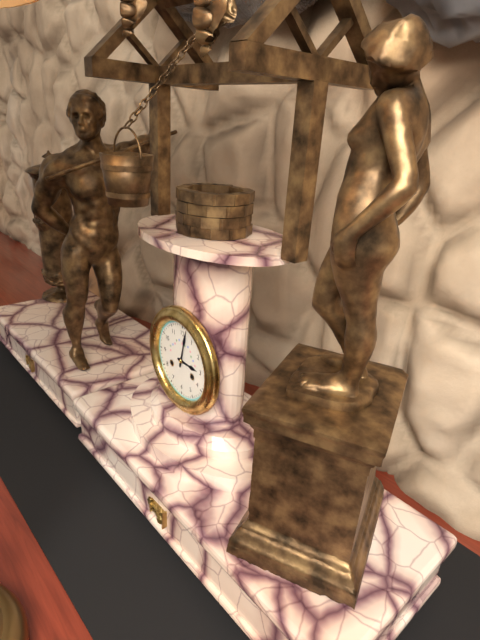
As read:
**3:02**
